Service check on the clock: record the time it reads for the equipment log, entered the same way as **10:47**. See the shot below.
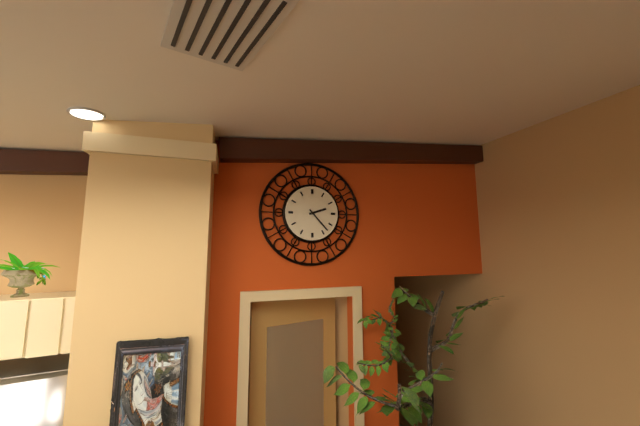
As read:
**2:23**
